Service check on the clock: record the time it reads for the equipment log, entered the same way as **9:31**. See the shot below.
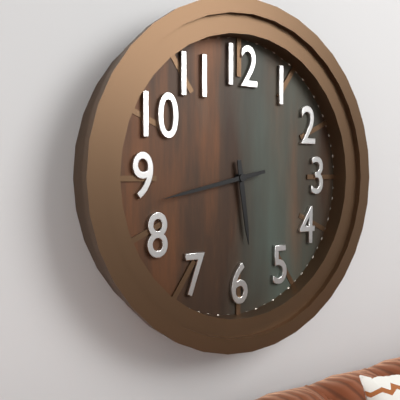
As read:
**5:43**
